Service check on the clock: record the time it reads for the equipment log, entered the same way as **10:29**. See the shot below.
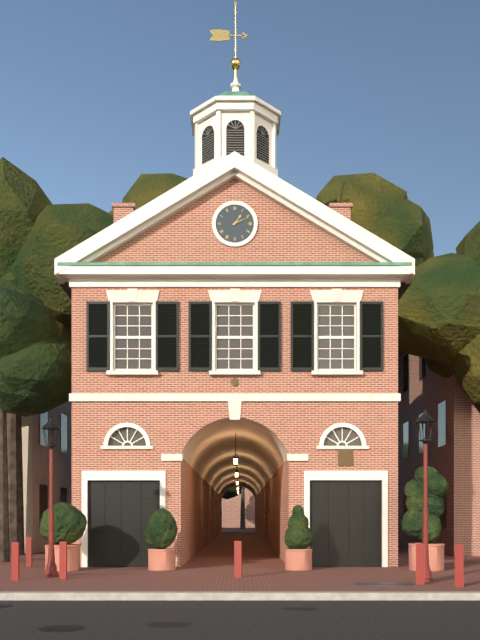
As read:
**1:11**
